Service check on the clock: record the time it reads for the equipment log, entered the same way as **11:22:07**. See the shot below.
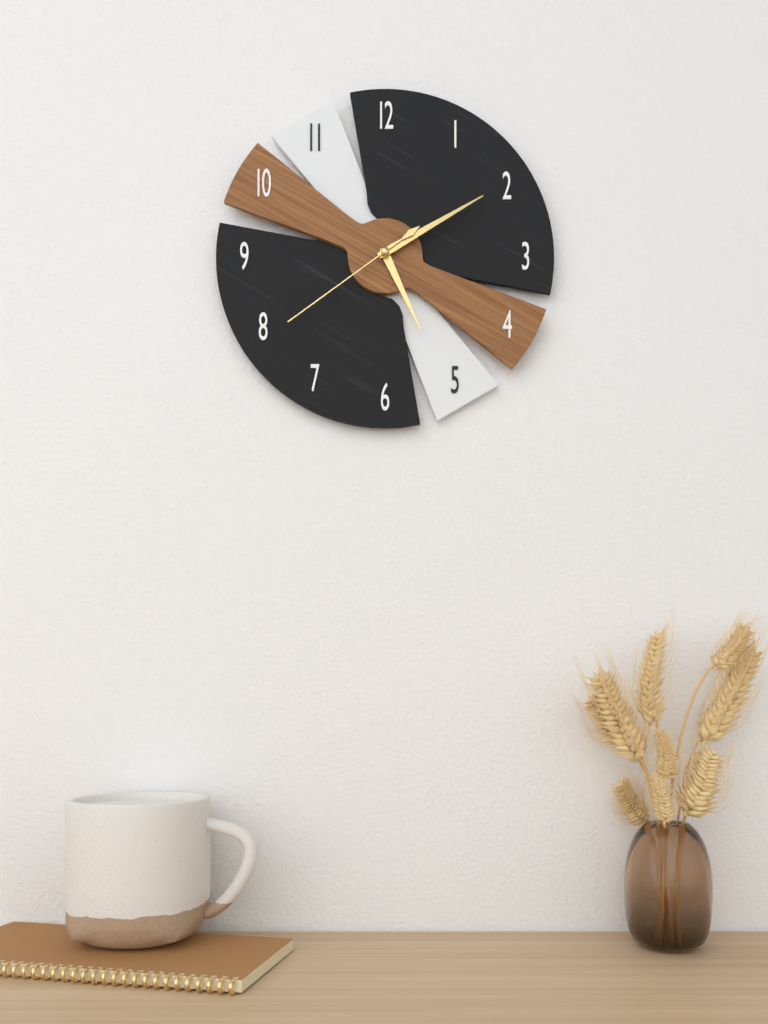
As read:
**5:10:39**
